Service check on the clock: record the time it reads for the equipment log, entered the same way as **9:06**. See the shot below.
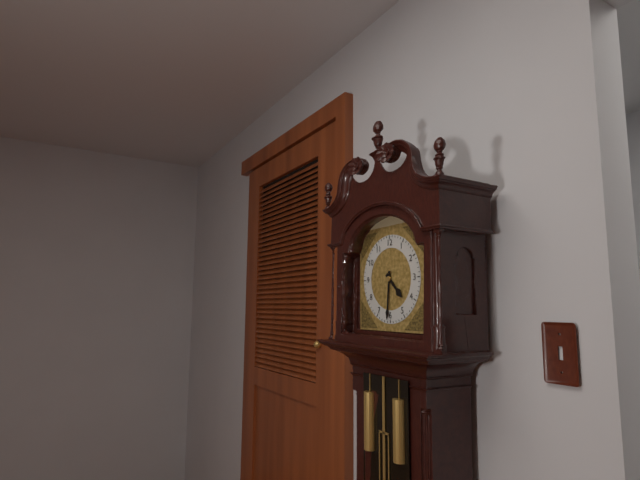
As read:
**4:31**
